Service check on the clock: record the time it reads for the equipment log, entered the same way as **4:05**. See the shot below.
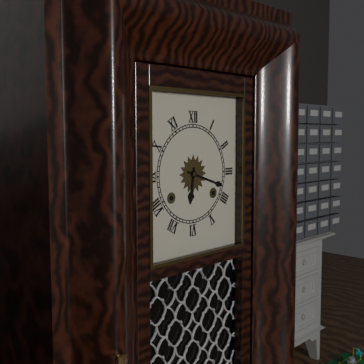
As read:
**6:18**
